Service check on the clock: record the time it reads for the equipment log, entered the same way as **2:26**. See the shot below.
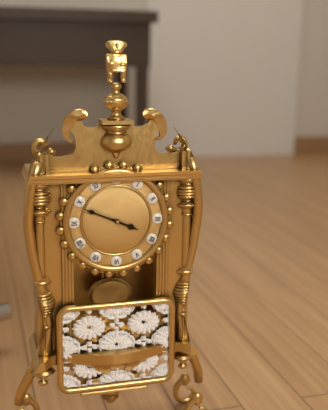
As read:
**3:49**
